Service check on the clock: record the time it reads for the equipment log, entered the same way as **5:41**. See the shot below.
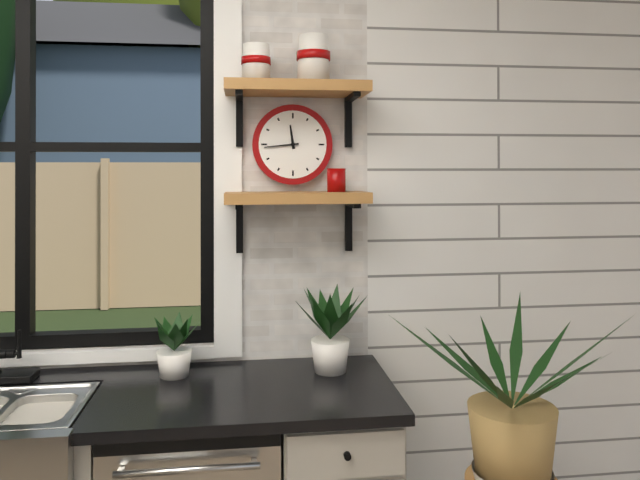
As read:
**11:44**
